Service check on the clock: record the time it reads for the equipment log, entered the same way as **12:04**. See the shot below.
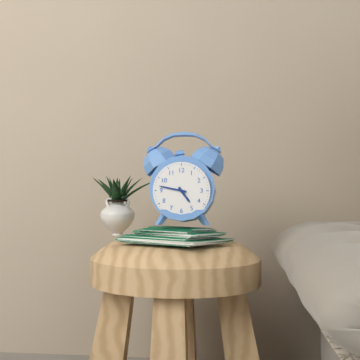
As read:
**4:47**
